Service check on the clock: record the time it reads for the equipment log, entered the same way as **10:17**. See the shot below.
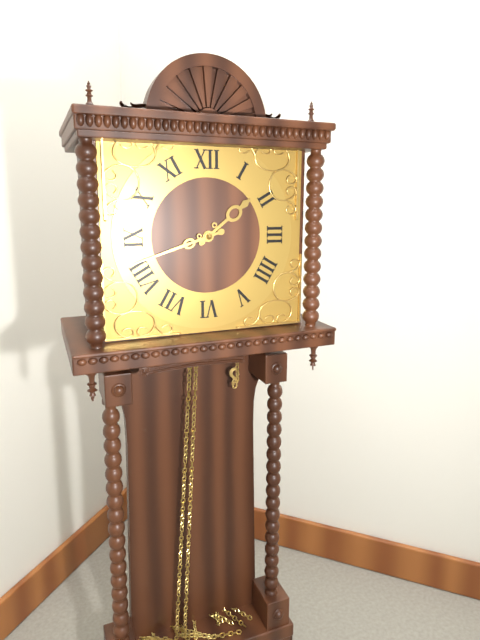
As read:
**1:42**
